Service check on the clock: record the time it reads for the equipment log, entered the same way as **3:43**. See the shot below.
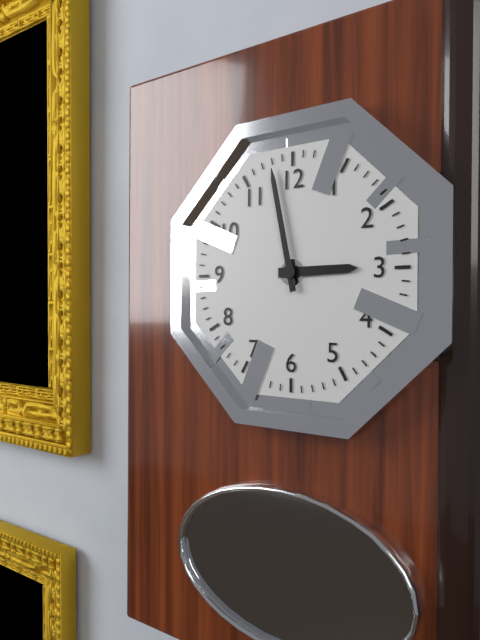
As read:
**2:58**
